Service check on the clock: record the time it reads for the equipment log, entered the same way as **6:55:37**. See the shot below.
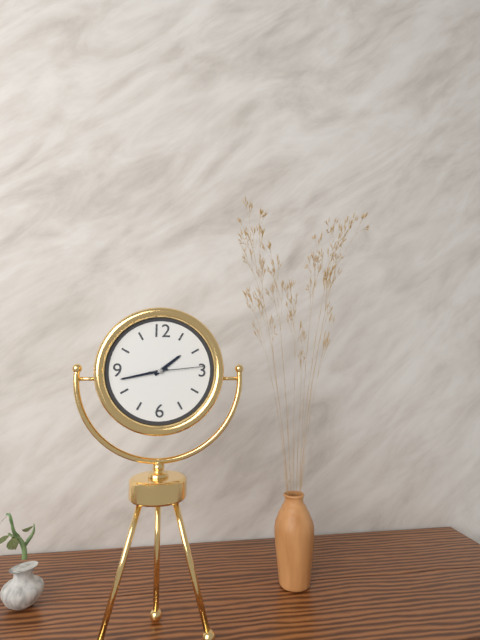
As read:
**1:43:14**
